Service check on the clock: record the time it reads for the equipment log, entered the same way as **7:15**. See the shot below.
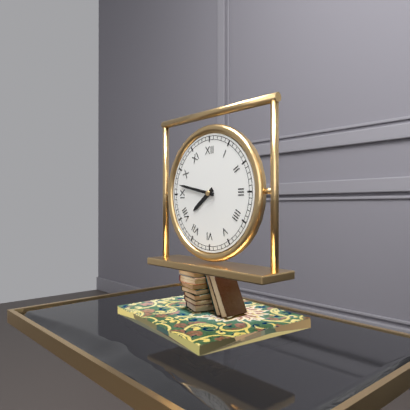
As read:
**7:47**
